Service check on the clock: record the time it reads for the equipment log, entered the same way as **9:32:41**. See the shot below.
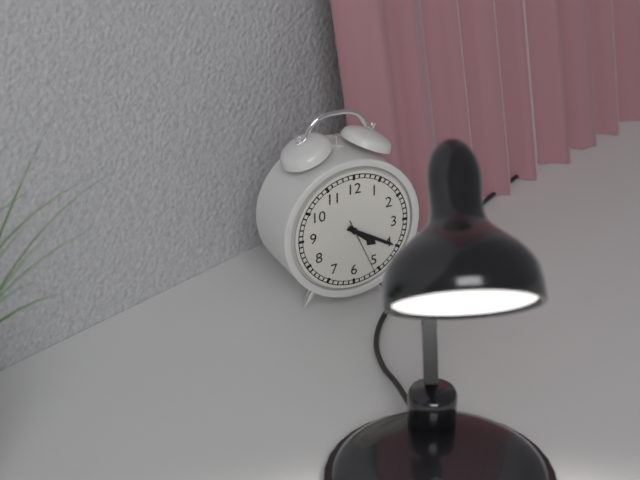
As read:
**4:20:26**
